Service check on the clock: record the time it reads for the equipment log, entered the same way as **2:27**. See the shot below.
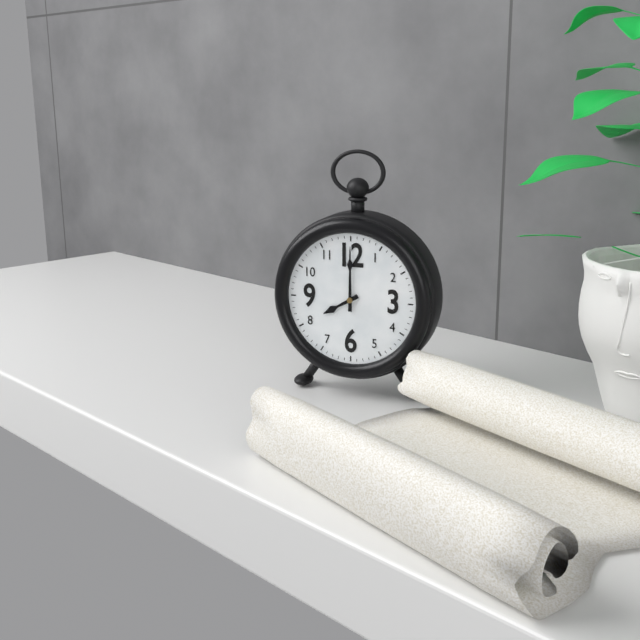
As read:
**8:00**
